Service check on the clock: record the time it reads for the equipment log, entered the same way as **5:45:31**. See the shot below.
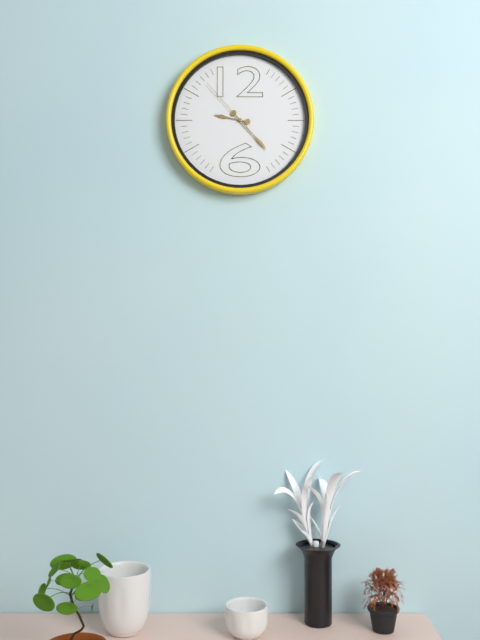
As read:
**9:23:53**
